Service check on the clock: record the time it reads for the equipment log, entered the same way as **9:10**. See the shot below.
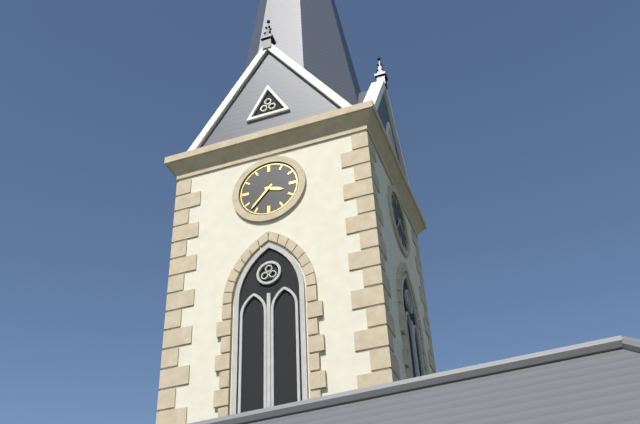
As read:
**3:37**
